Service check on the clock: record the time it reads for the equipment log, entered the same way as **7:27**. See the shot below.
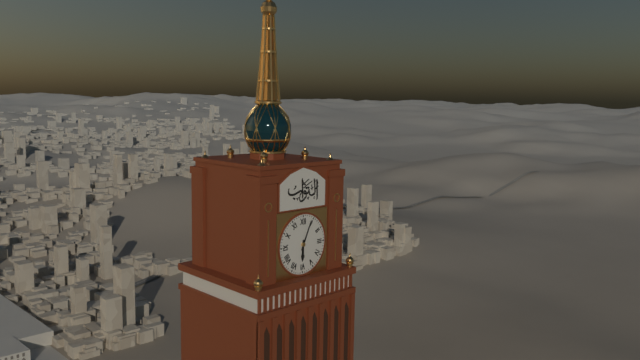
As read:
**6:04**
